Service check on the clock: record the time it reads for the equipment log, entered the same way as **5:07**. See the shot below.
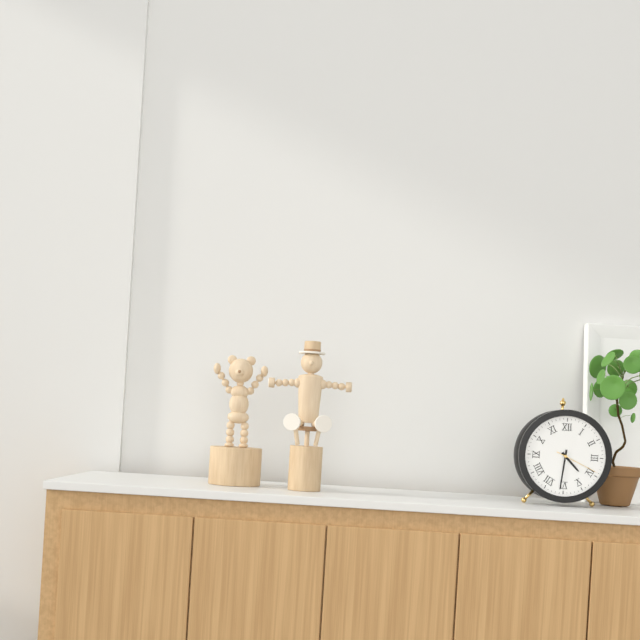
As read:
**4:31**
